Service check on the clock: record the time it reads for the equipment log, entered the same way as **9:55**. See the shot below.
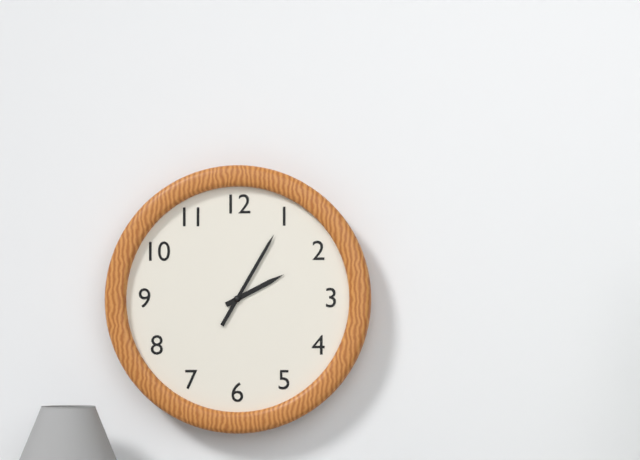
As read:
**2:05**
